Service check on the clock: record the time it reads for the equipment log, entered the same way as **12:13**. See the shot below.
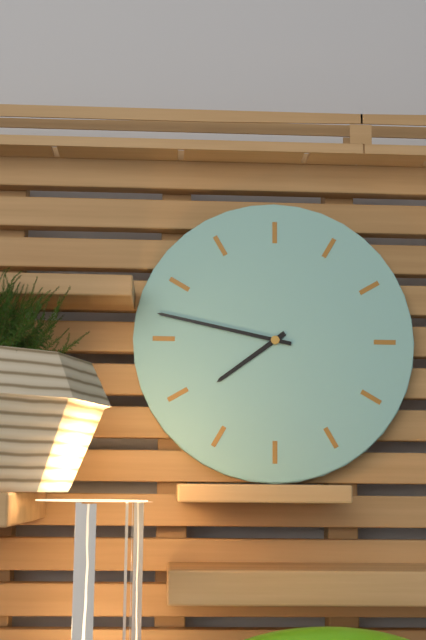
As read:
**7:47**
